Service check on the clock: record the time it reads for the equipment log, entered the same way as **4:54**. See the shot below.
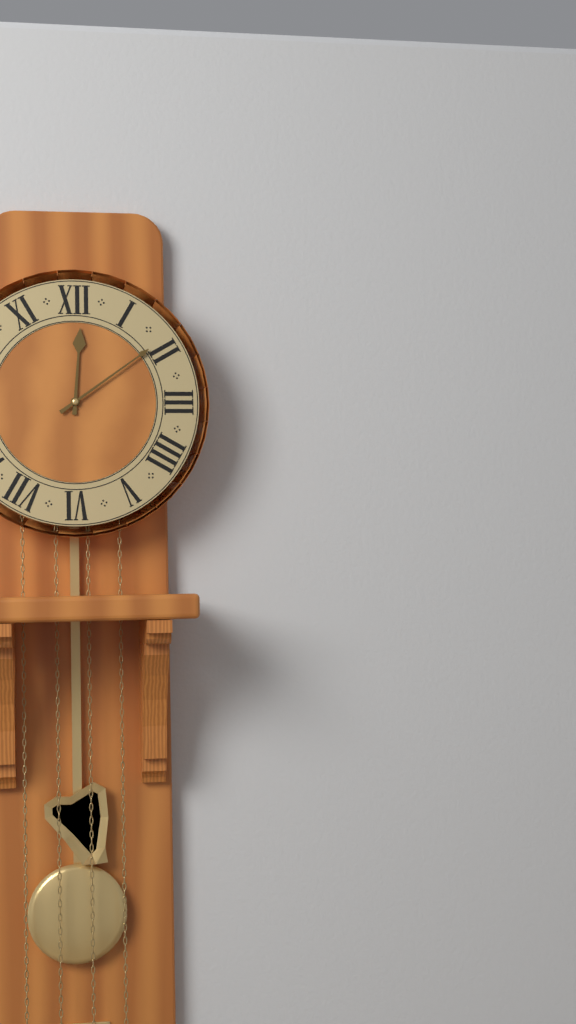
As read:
**12:09**
